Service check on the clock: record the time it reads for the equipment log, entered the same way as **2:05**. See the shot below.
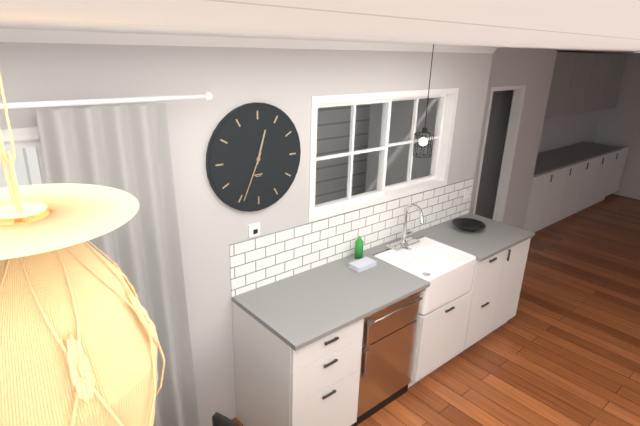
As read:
**12:34**
